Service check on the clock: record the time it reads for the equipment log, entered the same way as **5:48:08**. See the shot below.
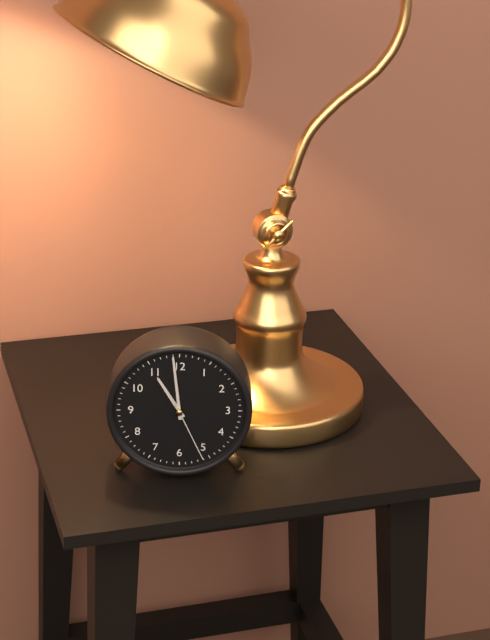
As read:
**10:59:26**
